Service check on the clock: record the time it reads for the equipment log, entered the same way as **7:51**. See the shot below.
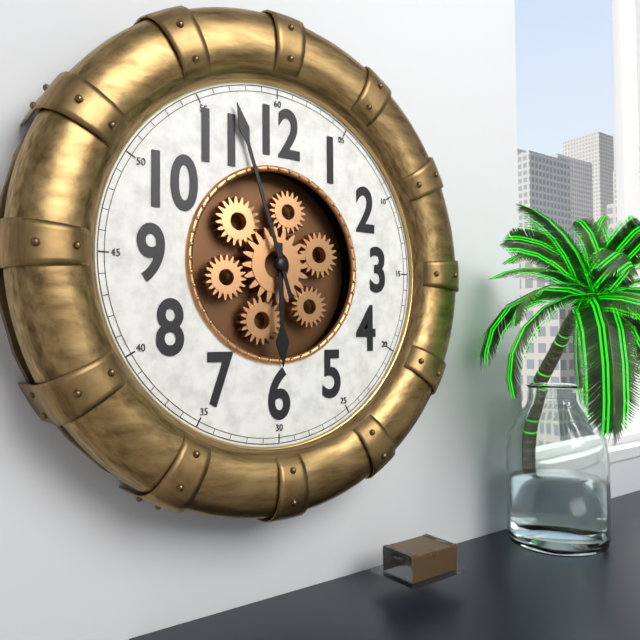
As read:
**5:57**
